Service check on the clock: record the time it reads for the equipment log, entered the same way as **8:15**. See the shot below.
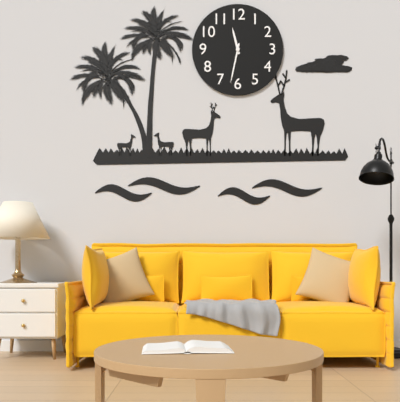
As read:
**11:32**
